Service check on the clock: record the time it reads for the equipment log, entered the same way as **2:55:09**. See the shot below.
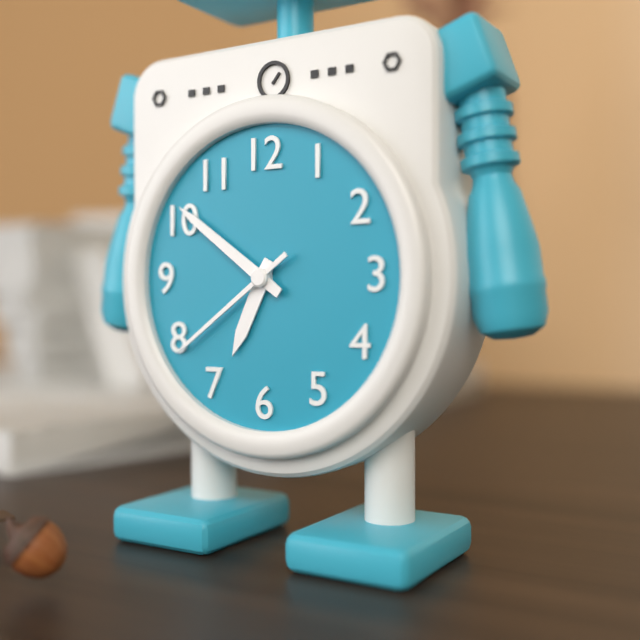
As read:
**6:51:39**
